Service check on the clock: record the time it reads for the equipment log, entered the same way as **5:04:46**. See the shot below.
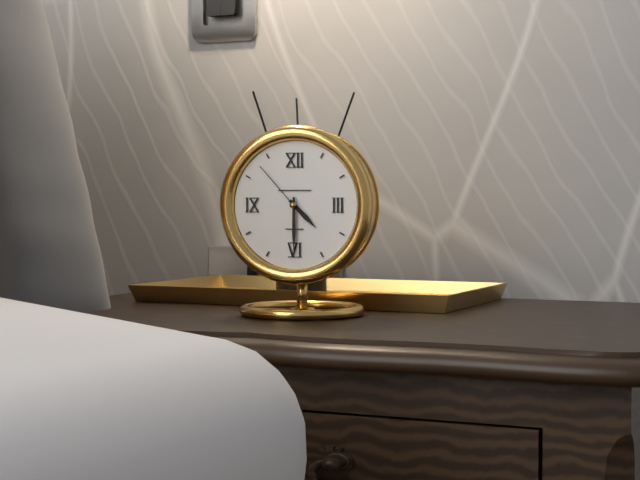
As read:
**4:30:53**
